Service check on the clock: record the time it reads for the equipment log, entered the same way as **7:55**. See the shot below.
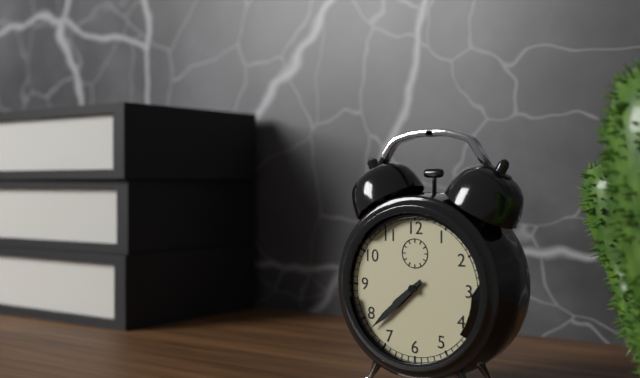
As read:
**7:38**
